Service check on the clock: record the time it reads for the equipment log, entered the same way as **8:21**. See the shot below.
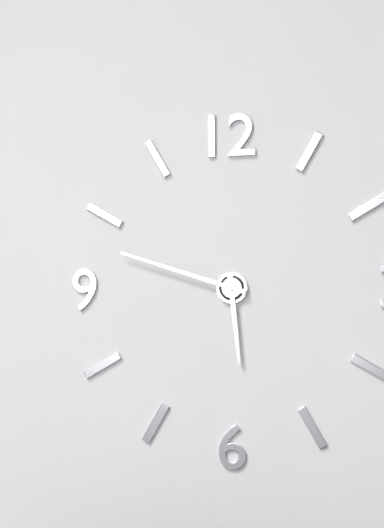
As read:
**5:48**
